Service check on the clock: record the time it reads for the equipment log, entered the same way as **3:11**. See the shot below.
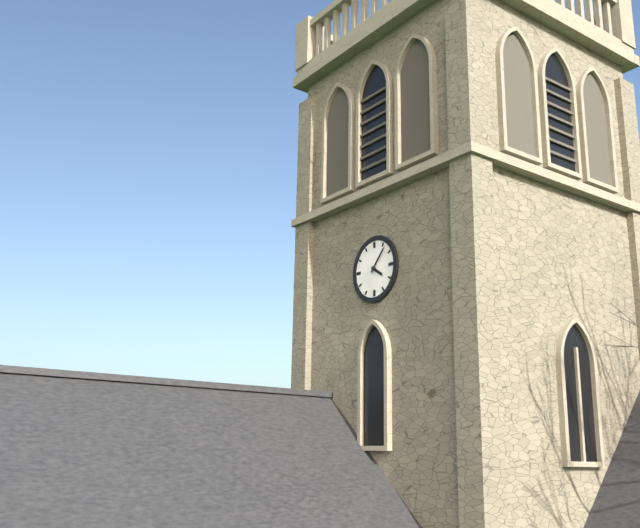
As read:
**4:07**
